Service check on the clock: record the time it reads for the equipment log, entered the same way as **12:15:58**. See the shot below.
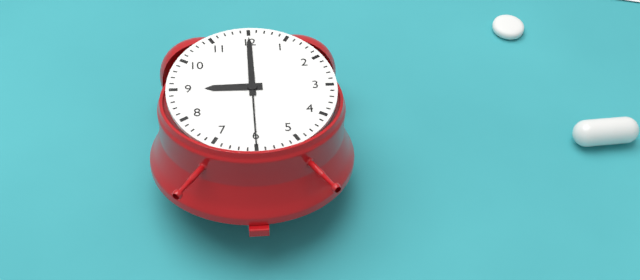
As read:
**9:00:30**
